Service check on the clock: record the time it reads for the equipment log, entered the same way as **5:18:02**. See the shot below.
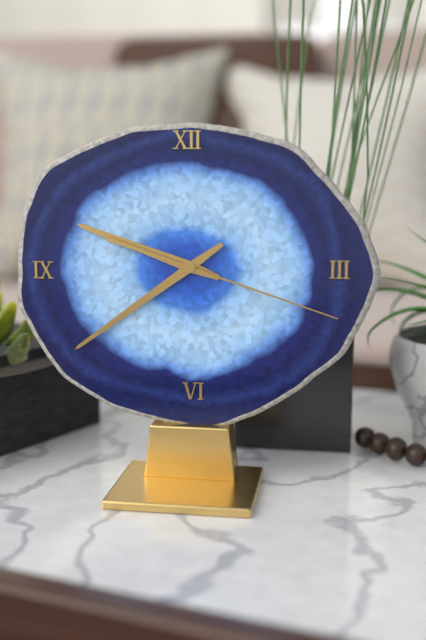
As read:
**9:39:18**
